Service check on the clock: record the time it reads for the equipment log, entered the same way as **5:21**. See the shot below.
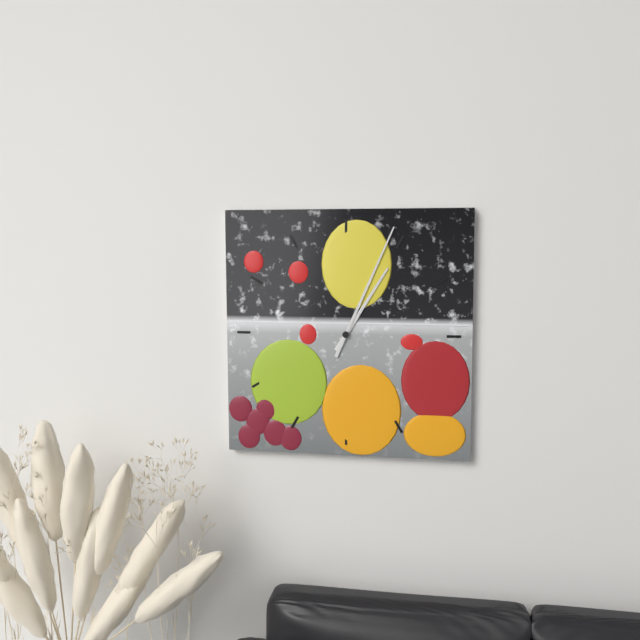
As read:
**1:04**
